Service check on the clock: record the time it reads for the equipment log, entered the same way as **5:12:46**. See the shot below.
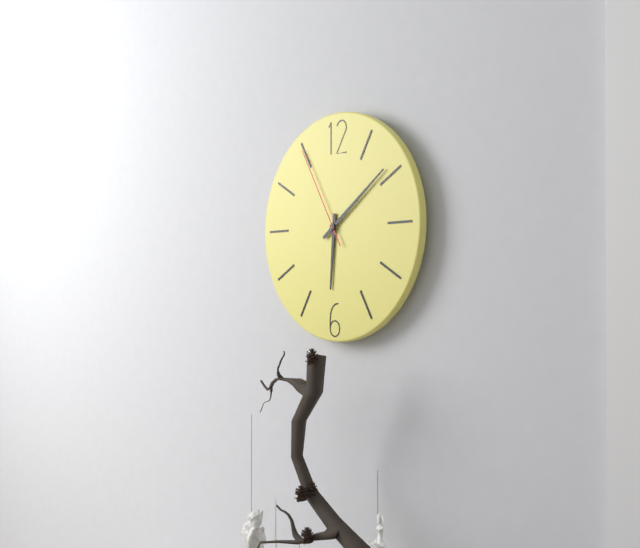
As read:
**6:09:55**
